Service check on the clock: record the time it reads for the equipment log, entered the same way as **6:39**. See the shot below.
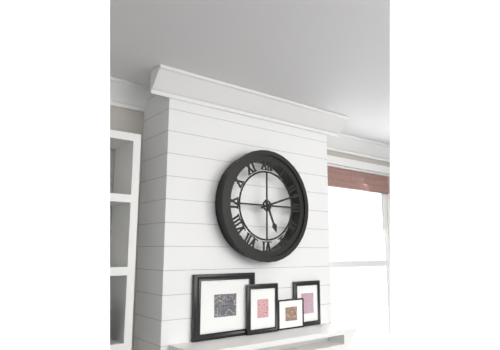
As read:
**5:12**
